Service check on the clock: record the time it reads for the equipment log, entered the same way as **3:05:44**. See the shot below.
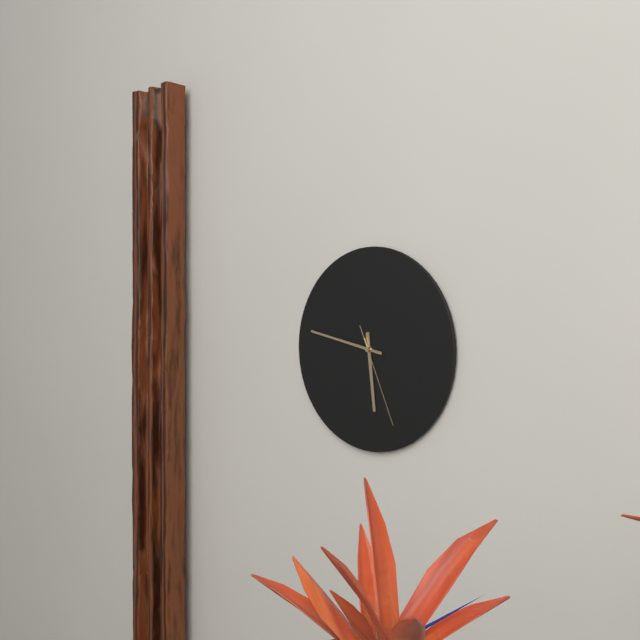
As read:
**5:47:26**
